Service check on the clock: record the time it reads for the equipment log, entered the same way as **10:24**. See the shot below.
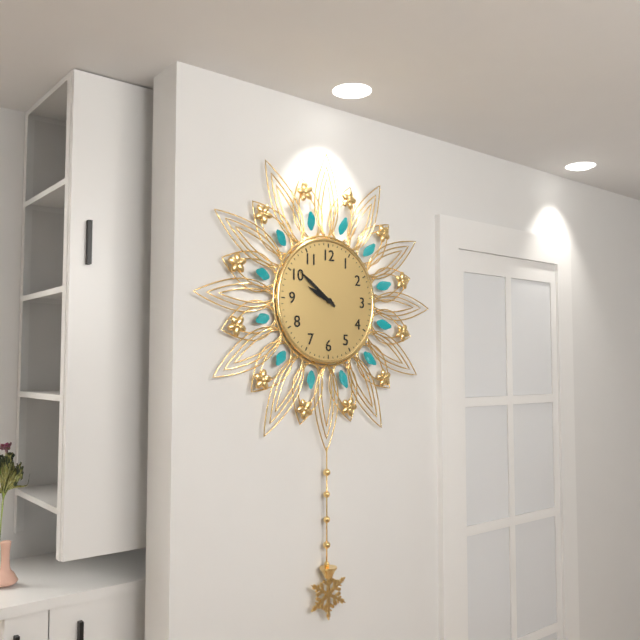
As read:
**9:51**
